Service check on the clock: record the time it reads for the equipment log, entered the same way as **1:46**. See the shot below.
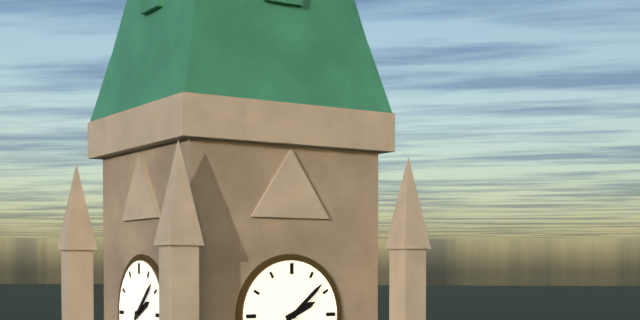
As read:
**2:08**
